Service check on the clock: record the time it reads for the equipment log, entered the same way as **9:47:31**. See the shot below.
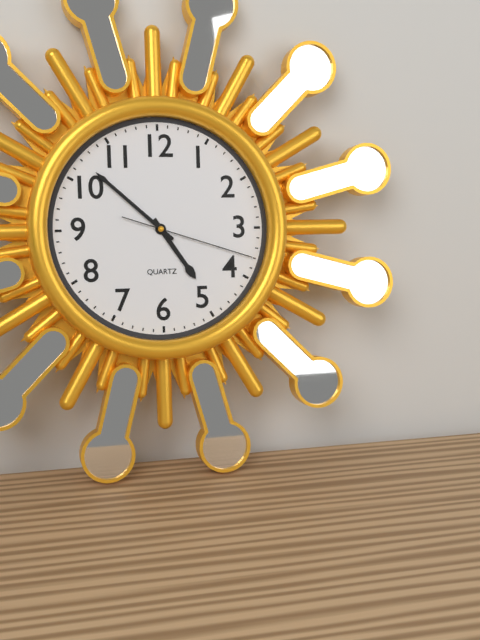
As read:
**4:52:18**
